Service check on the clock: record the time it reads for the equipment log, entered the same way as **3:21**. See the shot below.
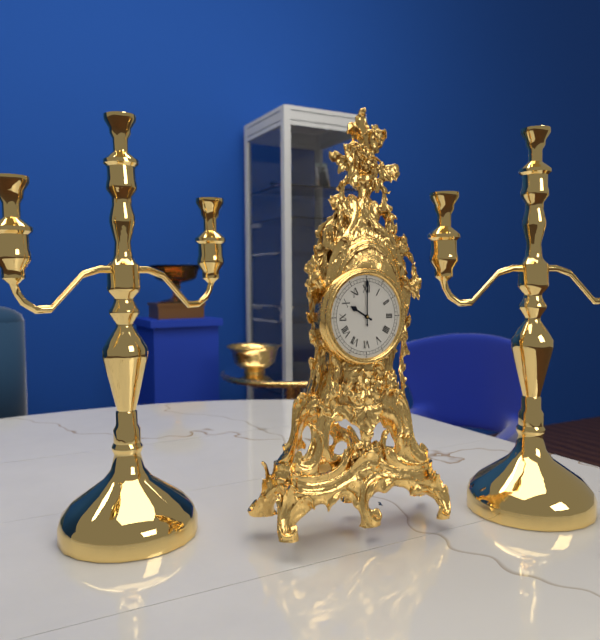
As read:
**10:00**
